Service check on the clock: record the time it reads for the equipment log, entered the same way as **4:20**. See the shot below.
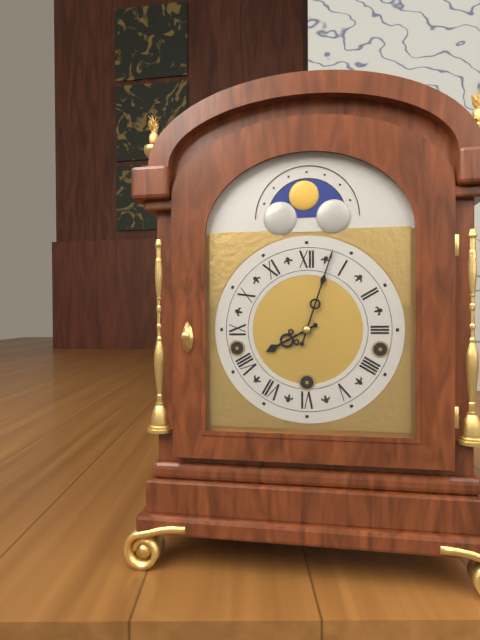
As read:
**8:03**
